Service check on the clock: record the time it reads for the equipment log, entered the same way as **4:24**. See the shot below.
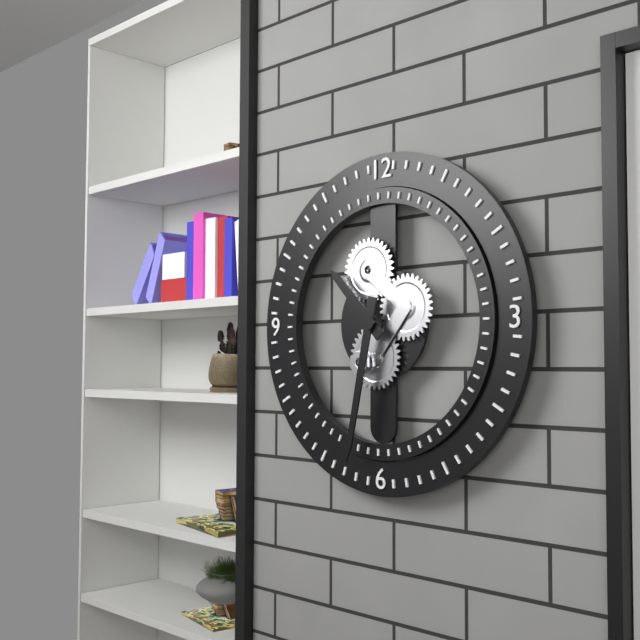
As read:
**10:32**
